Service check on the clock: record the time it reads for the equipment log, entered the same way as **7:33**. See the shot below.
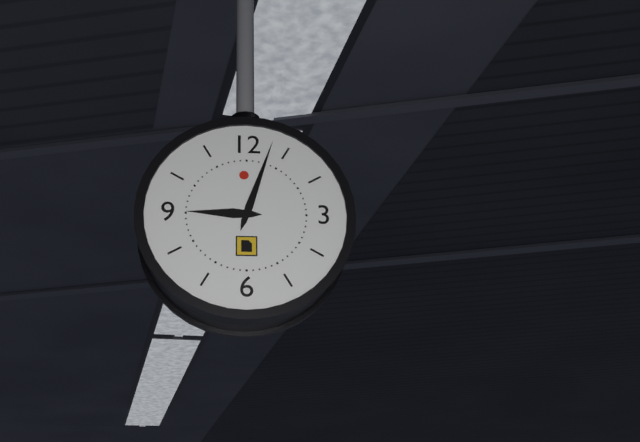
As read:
**9:03**
